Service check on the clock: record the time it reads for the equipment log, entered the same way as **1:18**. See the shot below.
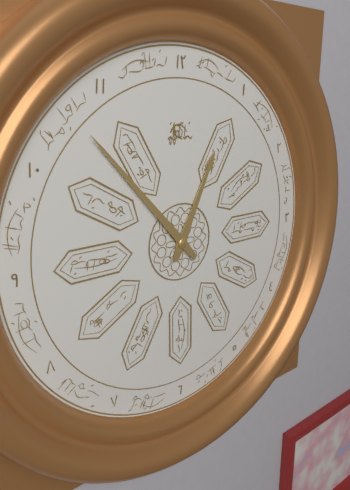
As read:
**12:53**
